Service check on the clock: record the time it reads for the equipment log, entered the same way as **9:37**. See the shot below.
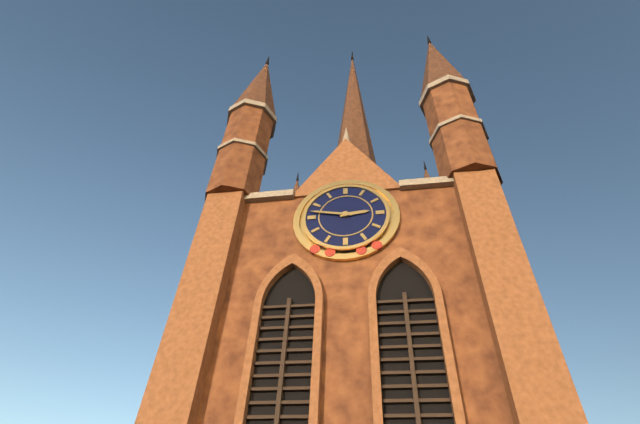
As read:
**2:47**
